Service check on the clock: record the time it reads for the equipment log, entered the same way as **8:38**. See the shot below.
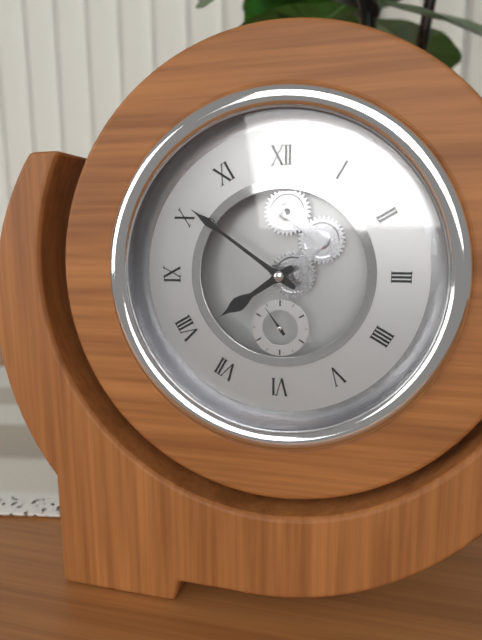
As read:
**7:51**
